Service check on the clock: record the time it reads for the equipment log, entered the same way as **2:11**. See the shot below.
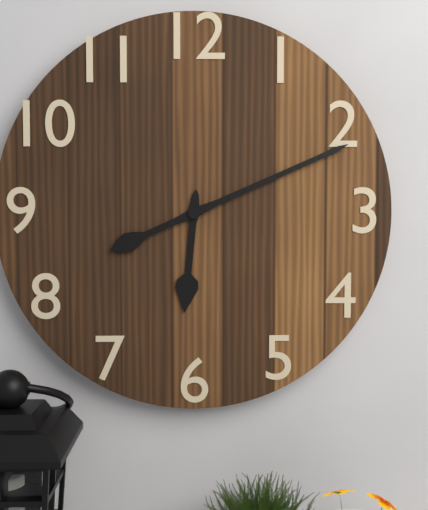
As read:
**6:11**
